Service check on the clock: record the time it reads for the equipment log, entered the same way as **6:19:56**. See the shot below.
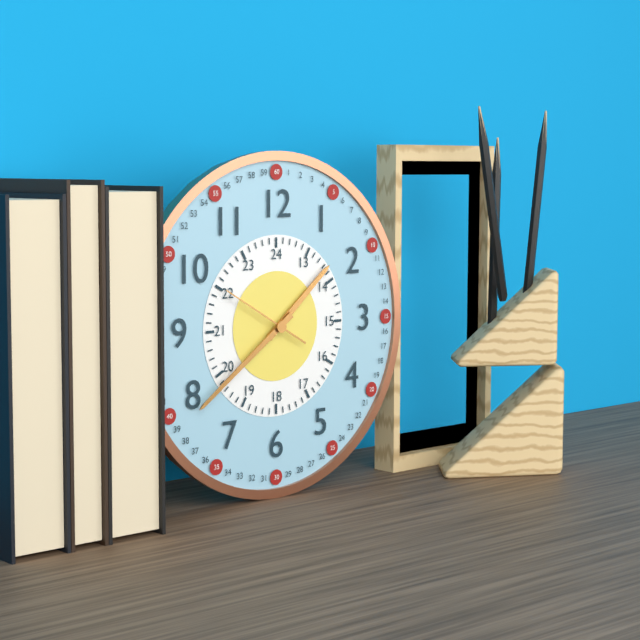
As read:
**1:39:50**
